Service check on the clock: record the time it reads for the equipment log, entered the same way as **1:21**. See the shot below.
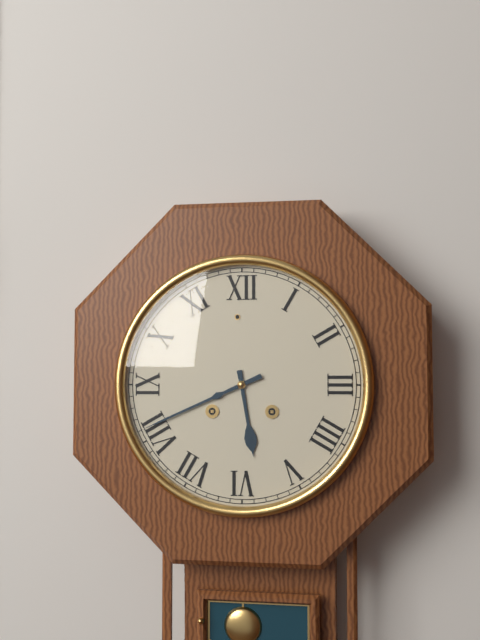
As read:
**5:41**
